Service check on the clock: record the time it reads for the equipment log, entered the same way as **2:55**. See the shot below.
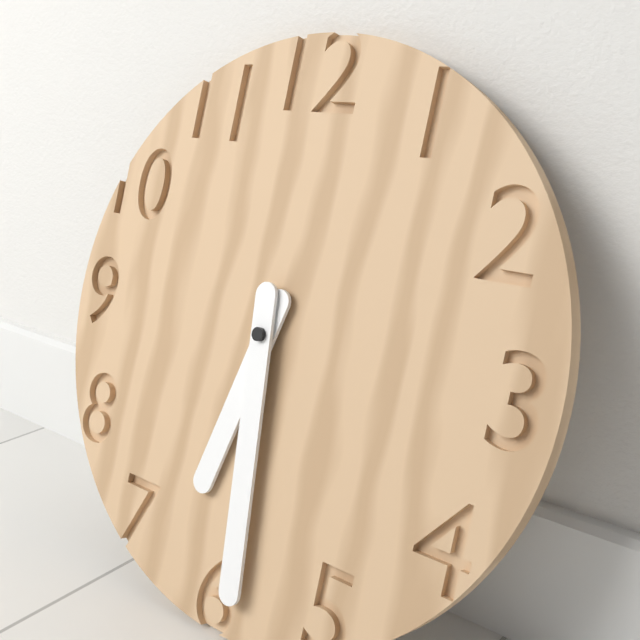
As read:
**6:29**
